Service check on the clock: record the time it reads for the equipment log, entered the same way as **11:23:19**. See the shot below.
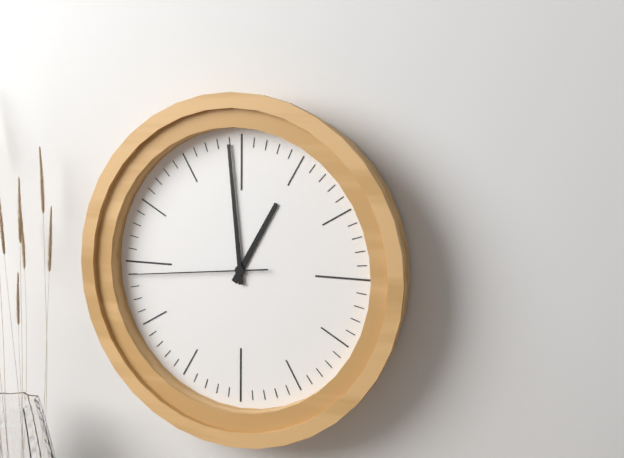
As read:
**12:59:44**
